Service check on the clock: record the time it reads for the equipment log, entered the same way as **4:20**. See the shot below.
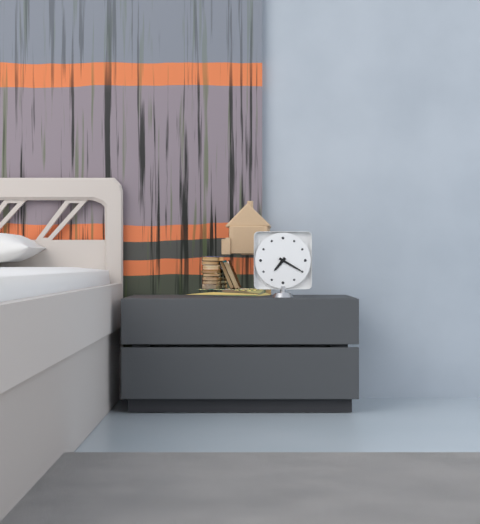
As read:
**7:20**
